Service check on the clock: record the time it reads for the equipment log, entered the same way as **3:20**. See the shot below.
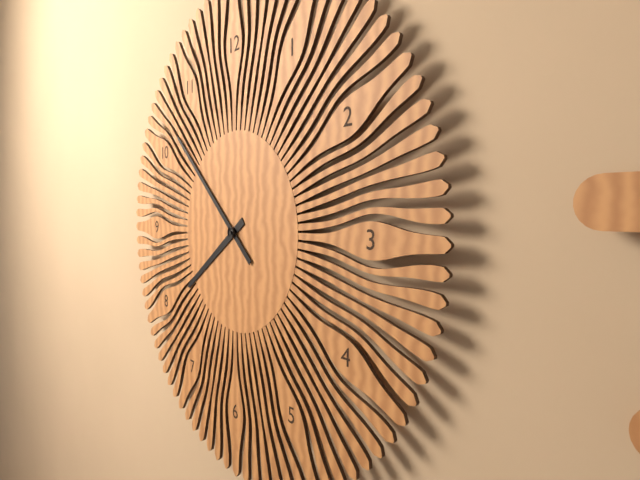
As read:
**7:52**
